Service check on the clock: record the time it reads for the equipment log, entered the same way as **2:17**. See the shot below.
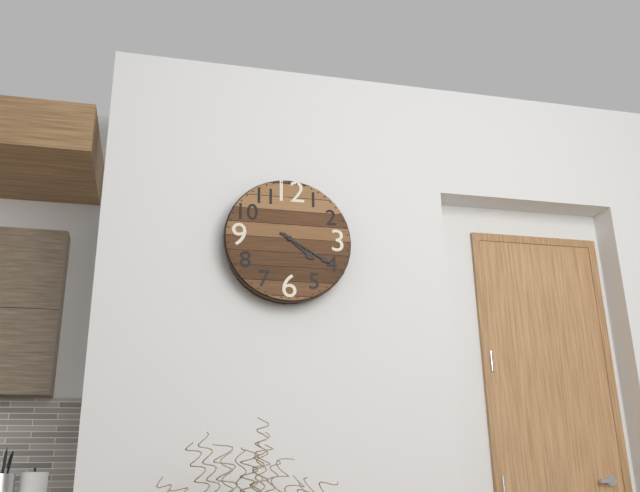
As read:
**4:20**
